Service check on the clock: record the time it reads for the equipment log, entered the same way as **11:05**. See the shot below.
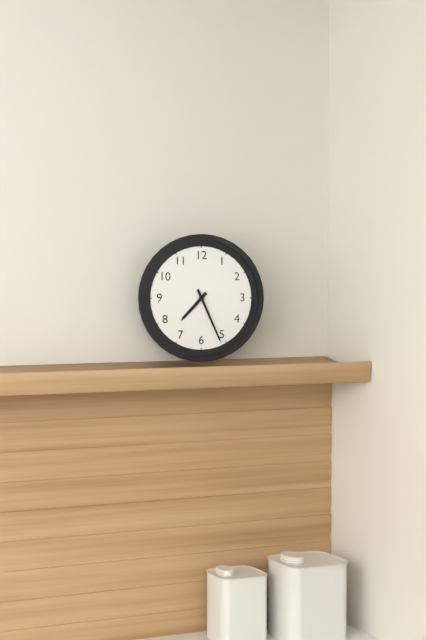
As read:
**7:26**
